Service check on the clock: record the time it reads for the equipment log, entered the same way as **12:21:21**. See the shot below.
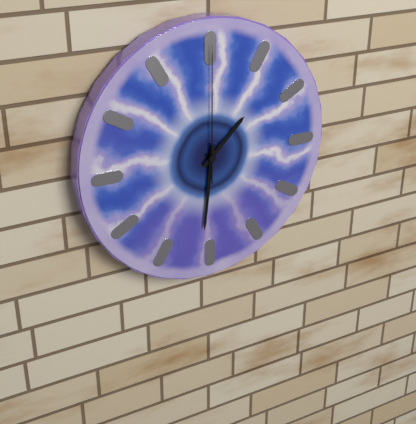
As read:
**1:31:00**
